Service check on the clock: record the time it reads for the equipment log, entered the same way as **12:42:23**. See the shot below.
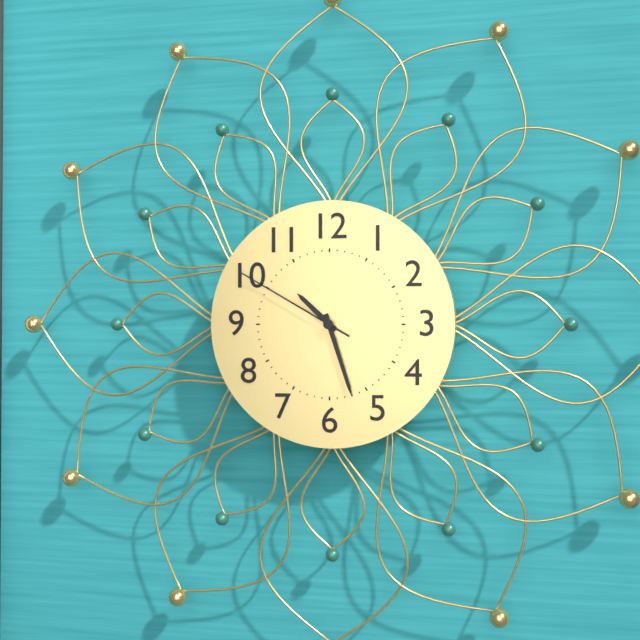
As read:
**10:27:50**
